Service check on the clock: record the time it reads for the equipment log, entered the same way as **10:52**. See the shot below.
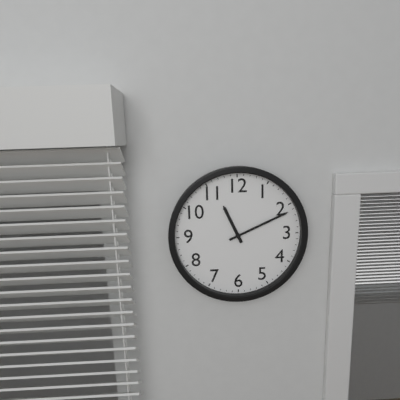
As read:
**11:11**
